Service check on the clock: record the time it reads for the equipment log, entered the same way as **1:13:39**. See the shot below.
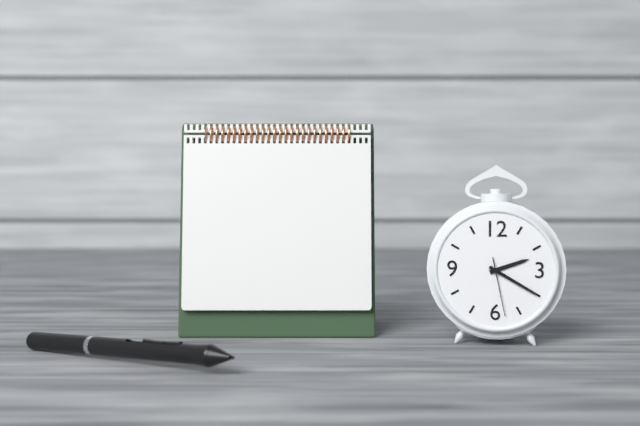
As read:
**2:20:28**
